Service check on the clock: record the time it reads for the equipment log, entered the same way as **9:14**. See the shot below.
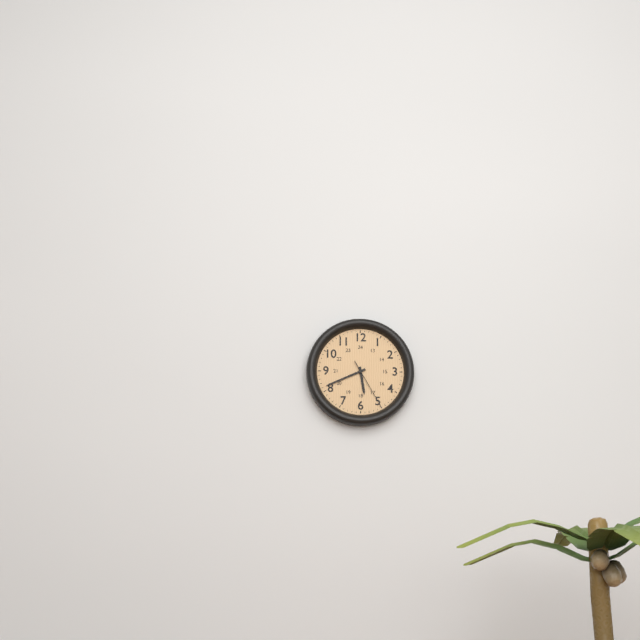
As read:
**5:41**
